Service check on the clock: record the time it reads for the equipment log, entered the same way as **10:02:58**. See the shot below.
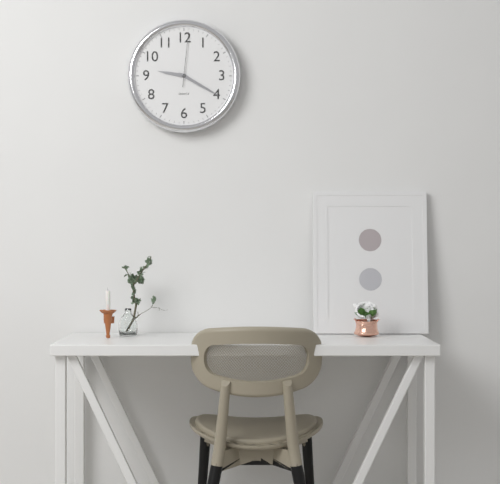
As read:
**9:20:01**
